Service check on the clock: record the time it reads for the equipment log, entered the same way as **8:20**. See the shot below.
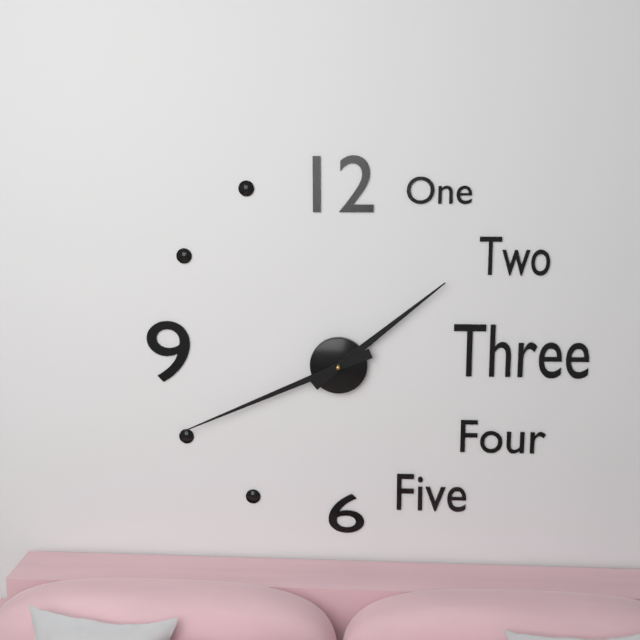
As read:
**1:41**
